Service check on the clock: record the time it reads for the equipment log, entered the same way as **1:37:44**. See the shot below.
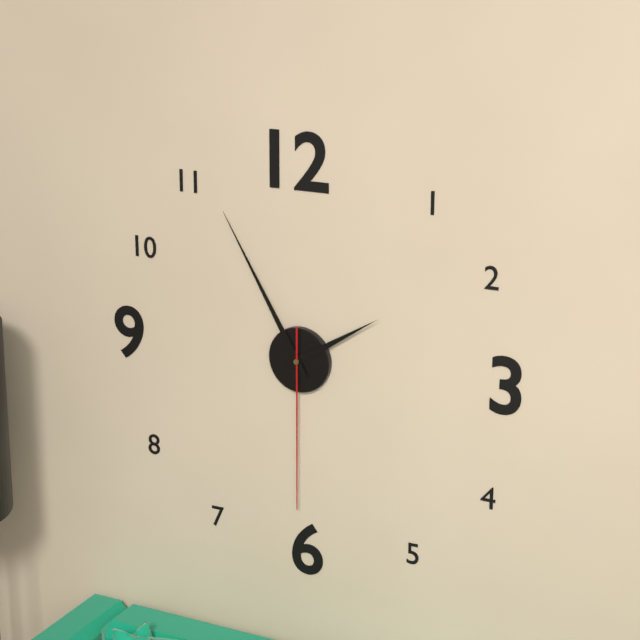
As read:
**1:55:30**
